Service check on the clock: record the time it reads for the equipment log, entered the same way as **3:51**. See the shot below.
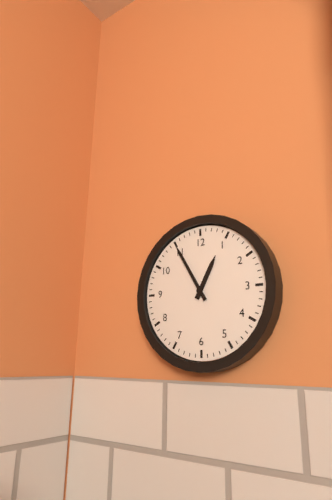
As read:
**12:55**
